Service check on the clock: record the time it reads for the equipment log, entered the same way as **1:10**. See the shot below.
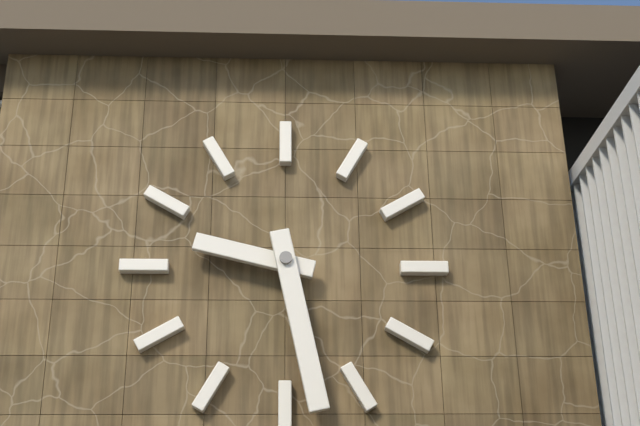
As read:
**9:28**
